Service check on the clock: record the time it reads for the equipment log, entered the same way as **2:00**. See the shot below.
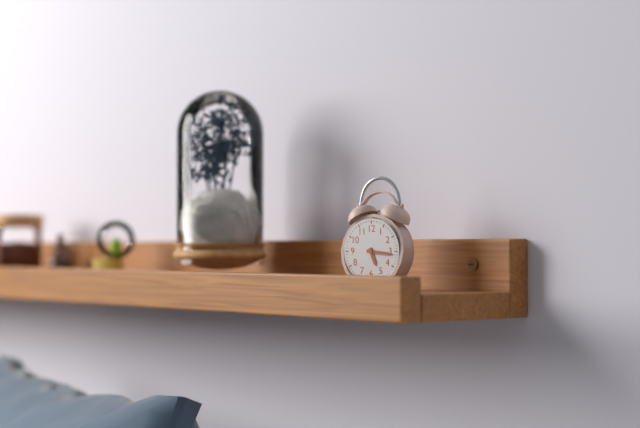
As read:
**5:16**
